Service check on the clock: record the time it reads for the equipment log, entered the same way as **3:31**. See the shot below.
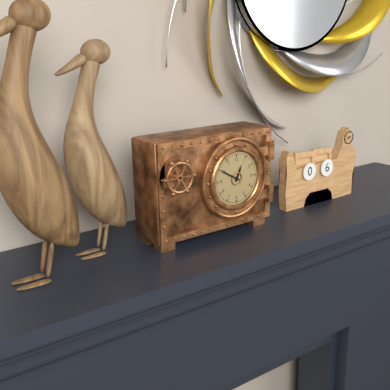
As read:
**12:50**
